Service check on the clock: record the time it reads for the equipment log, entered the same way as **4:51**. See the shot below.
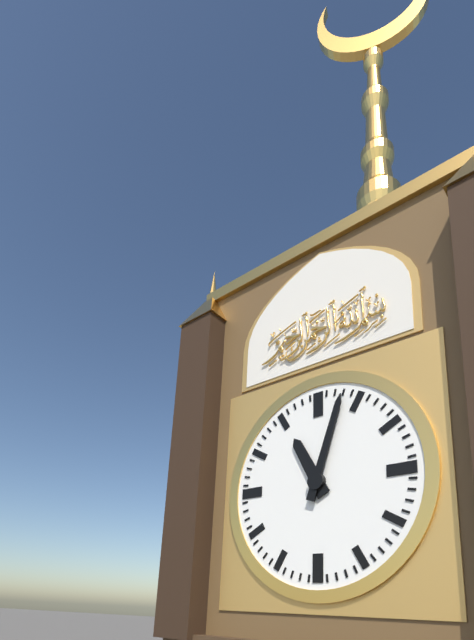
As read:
**11:03**
